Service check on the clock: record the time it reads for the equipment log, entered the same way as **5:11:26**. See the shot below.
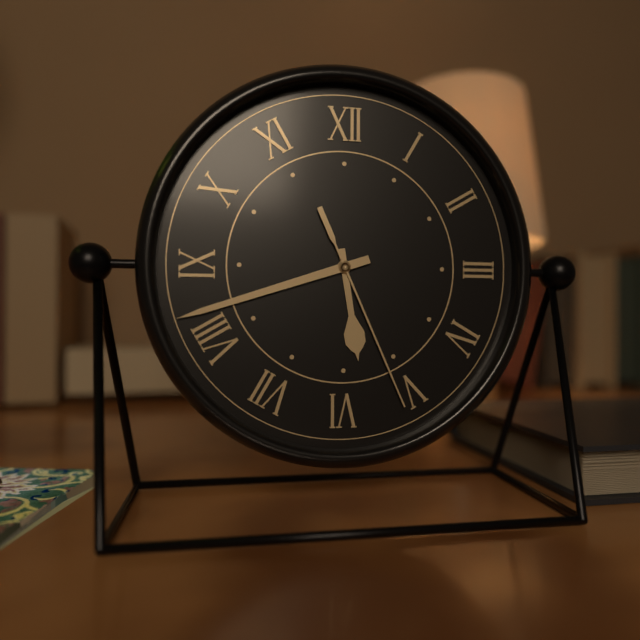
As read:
**5:42:26**
